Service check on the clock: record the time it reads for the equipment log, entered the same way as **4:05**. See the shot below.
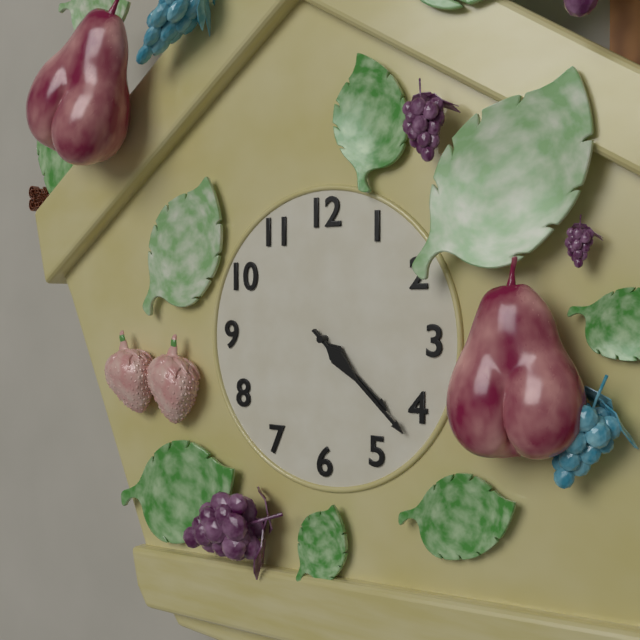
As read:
**4:22**
